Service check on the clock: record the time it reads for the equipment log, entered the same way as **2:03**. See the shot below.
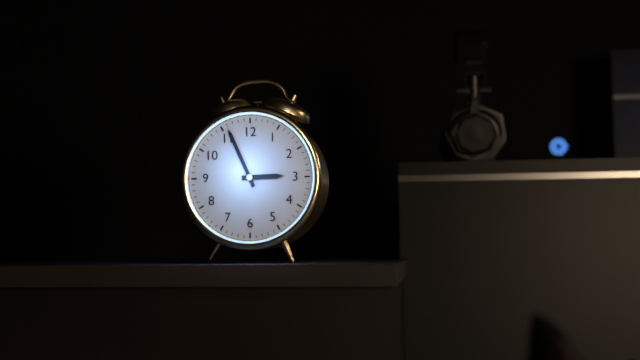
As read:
**2:56**
